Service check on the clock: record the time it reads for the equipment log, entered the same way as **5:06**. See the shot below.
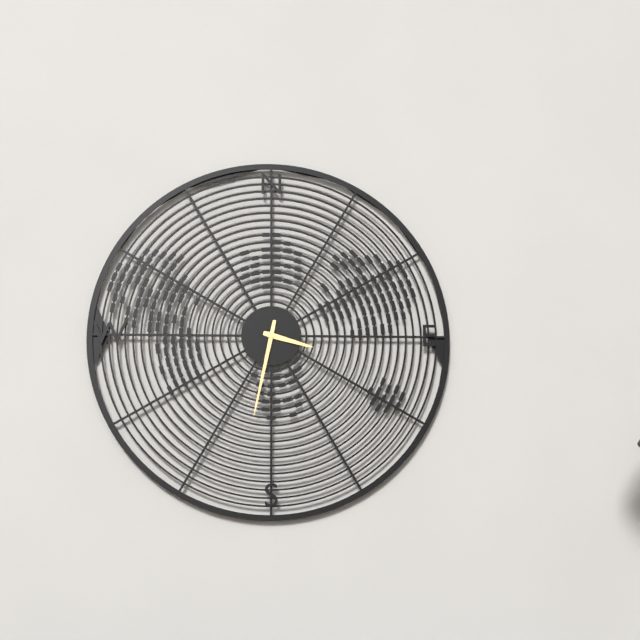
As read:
**3:32**
